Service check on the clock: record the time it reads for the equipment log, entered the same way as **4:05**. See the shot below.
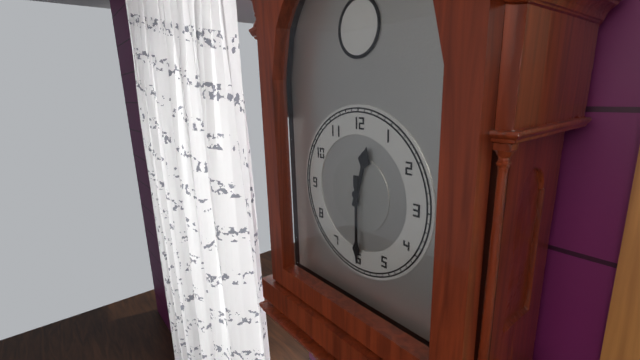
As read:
**12:30**
